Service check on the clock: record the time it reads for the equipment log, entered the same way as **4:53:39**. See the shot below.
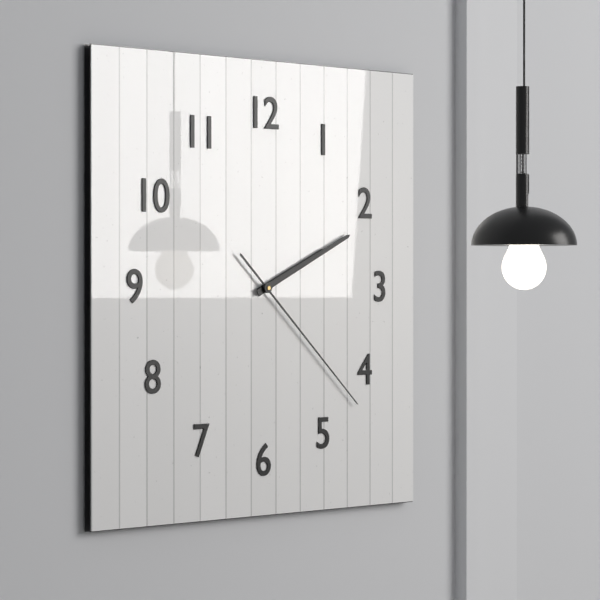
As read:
**2:11:22**
